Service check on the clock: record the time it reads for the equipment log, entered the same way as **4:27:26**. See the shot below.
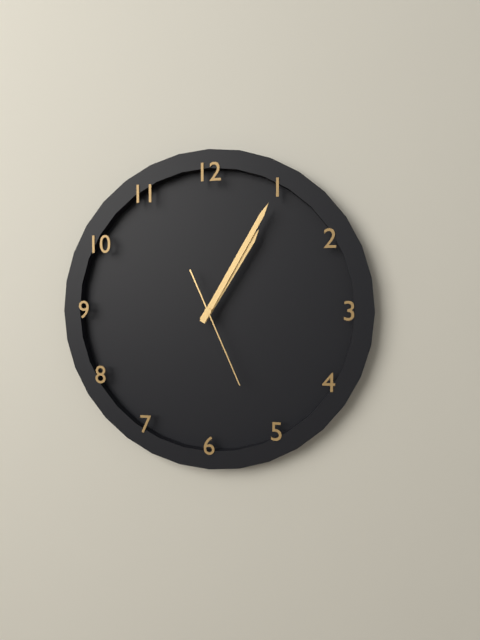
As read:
**1:05:26**
